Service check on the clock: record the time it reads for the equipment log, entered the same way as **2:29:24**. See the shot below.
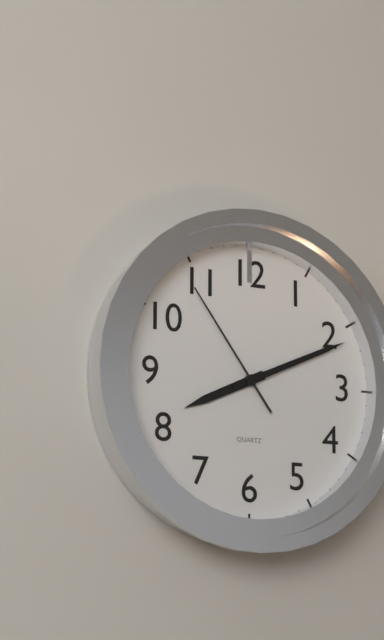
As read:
**8:11:54**
